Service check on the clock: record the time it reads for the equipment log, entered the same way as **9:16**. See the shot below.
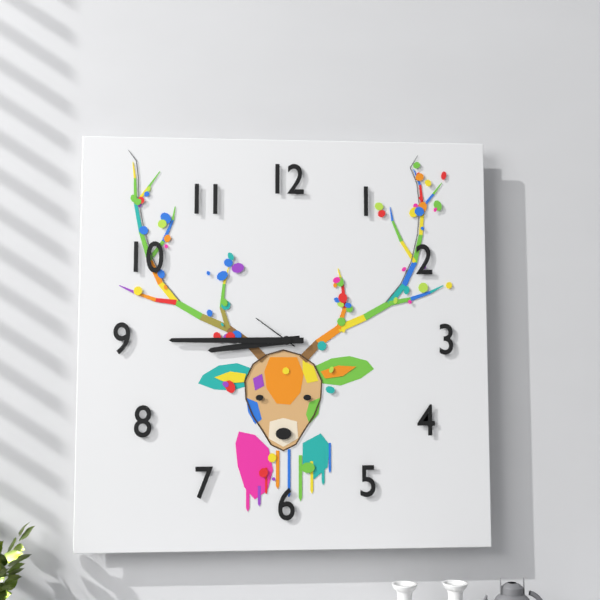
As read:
**8:45**
